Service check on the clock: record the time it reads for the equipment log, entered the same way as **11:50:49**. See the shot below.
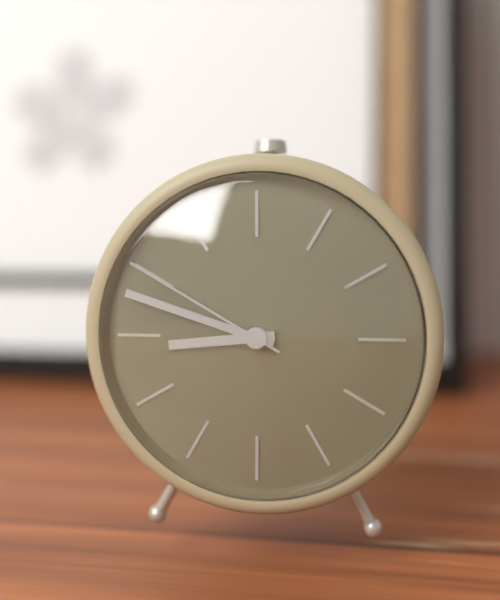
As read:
**8:48:50**
